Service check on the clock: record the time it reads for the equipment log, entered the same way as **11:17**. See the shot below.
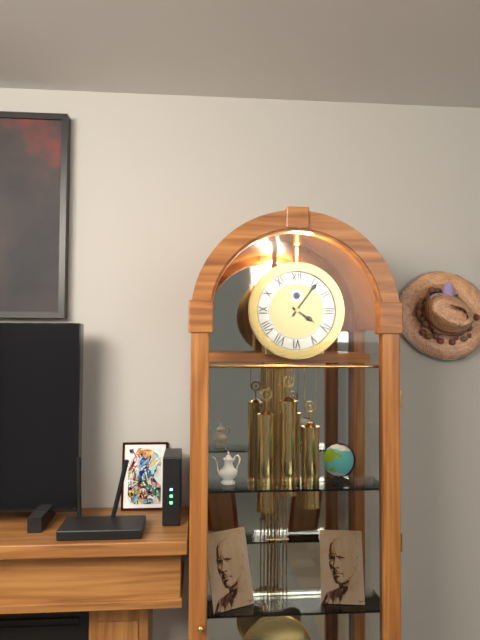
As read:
**4:06**
